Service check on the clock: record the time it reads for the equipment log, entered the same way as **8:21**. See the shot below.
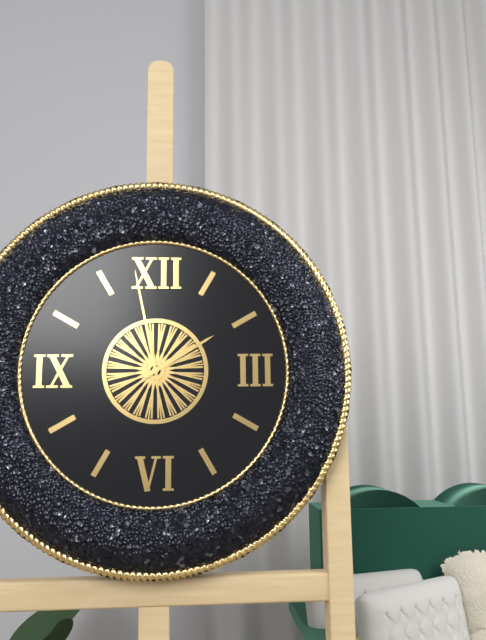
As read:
**1:58**
